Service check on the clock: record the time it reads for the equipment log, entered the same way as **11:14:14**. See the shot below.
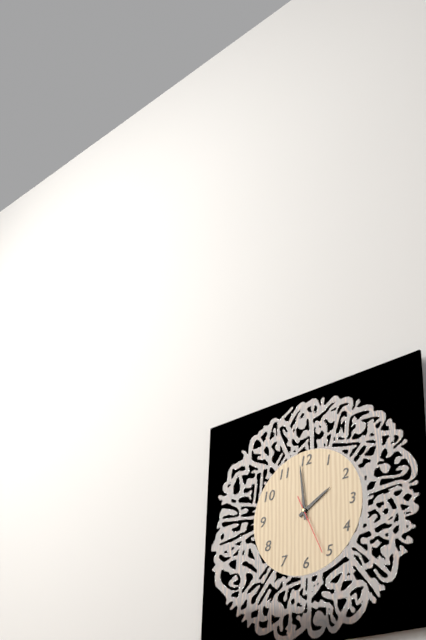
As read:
**1:59:26**
